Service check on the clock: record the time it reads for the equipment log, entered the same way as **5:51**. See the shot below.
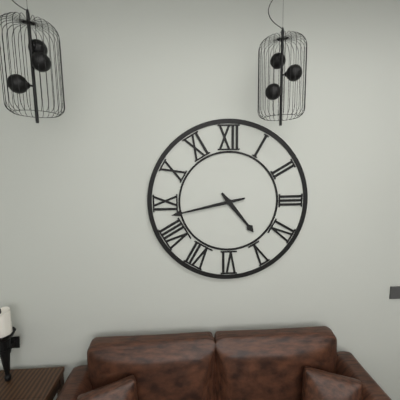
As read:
**4:43**
